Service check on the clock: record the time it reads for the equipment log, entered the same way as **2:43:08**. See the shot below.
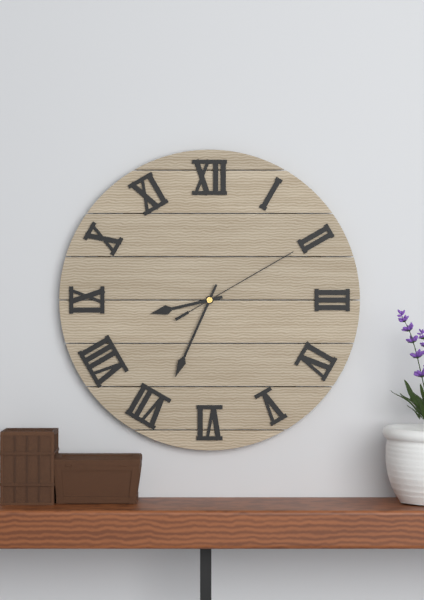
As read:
**8:34:10**
